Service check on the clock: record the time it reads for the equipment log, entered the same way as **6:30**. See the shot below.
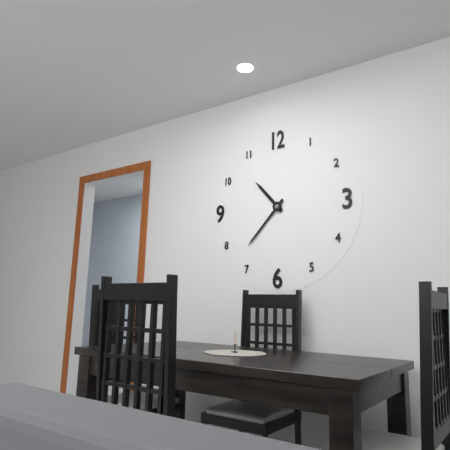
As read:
**10:37**
